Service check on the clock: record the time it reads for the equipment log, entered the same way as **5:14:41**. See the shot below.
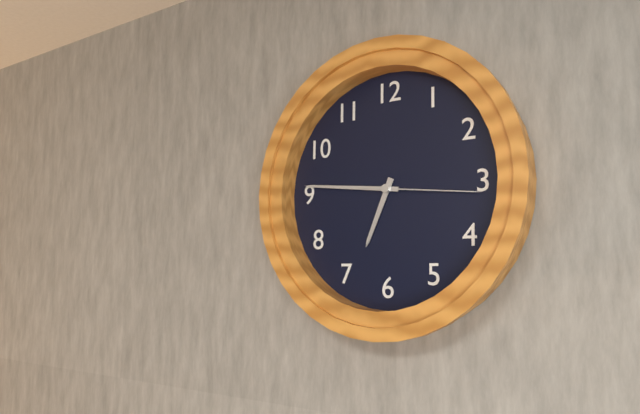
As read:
**6:46:16**
